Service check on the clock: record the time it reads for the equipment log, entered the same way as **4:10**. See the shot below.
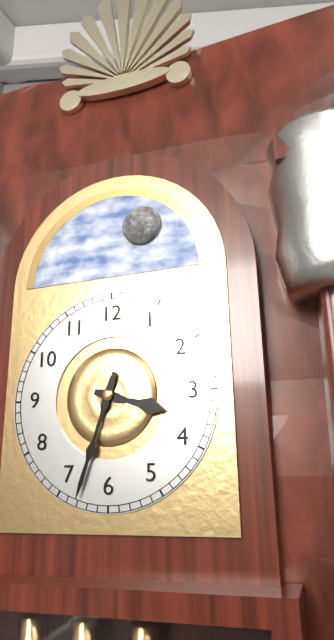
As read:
**3:33**
